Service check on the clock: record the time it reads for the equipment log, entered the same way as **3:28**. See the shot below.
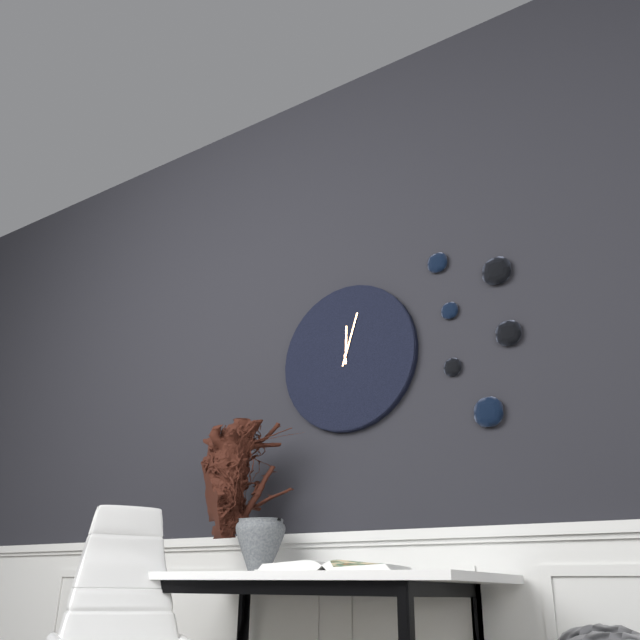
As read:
**12:03**
